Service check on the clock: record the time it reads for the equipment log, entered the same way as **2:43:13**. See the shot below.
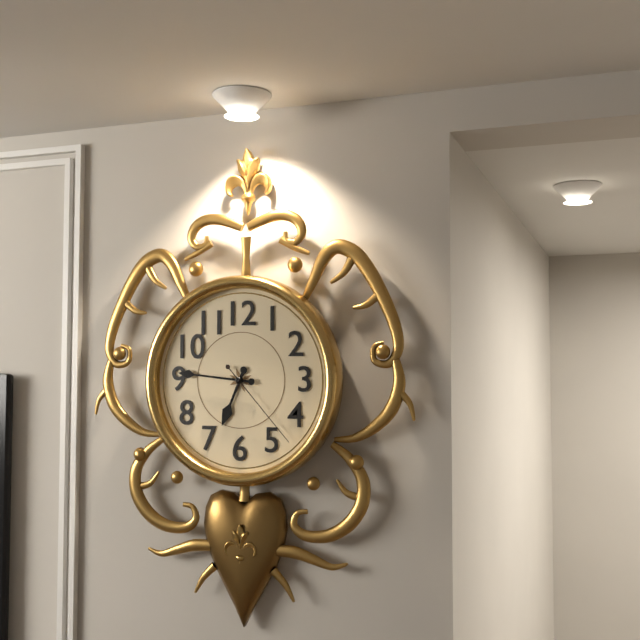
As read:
**6:46:23**
